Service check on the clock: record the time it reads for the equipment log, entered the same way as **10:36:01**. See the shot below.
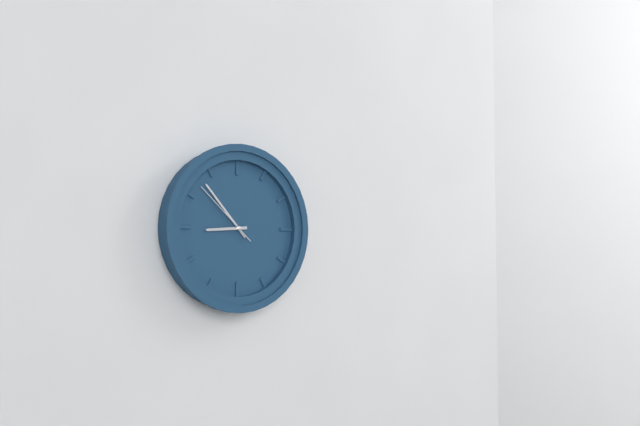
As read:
**8:53:52**
